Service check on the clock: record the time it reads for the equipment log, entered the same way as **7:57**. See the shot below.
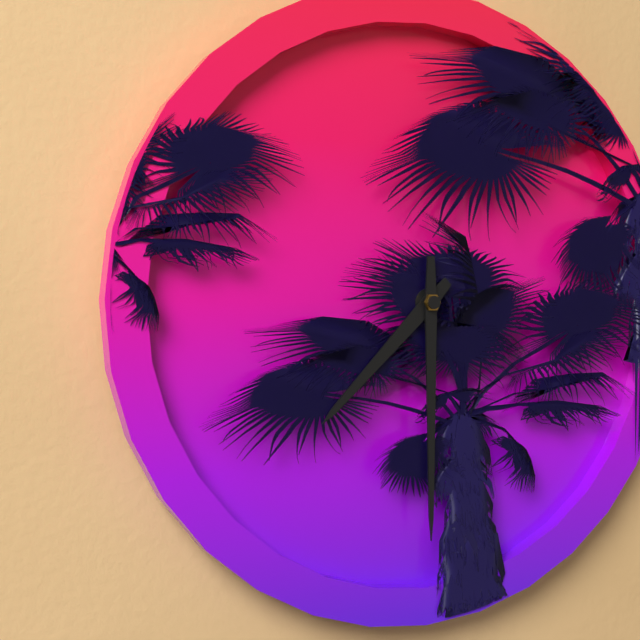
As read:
**7:30**
